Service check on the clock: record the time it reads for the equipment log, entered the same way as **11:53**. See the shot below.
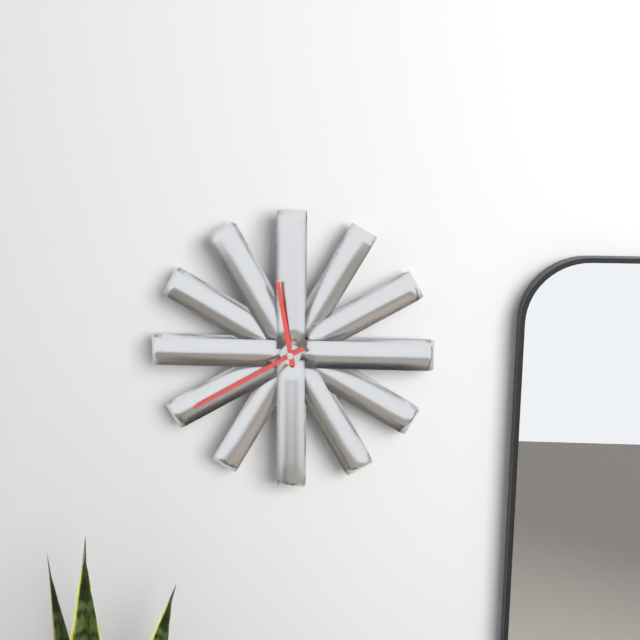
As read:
**11:40**
